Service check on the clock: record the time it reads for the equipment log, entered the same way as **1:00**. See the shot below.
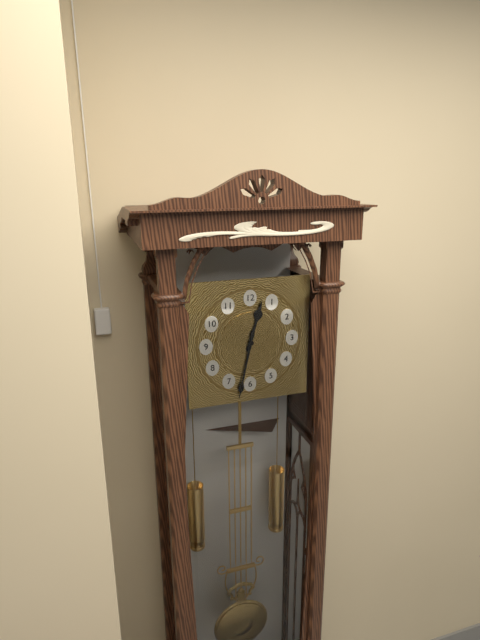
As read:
**12:32**
